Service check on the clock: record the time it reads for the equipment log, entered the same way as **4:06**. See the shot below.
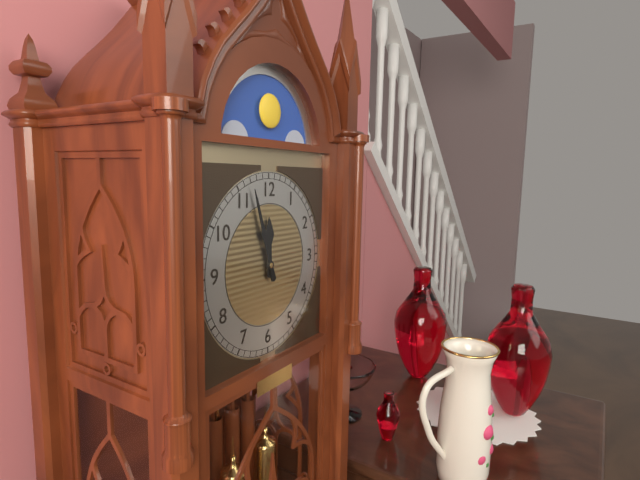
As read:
**11:57**
